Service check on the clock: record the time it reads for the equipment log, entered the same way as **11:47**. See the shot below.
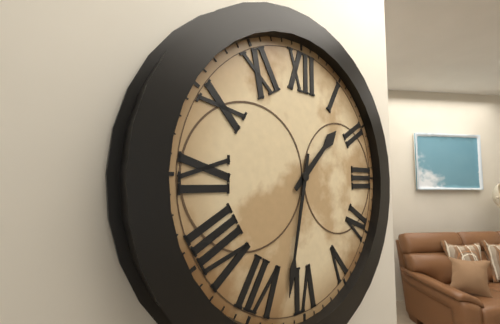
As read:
**1:32**
